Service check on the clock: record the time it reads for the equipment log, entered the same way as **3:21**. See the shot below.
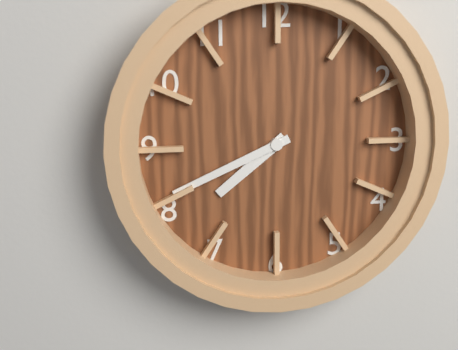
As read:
**7:41**
